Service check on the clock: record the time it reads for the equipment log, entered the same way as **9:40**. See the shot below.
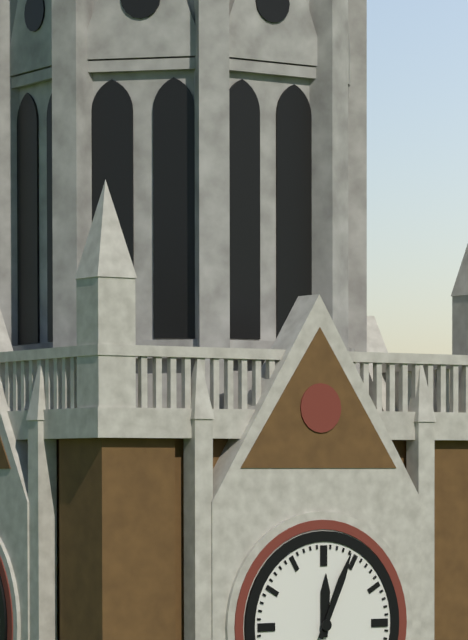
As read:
**12:04**
